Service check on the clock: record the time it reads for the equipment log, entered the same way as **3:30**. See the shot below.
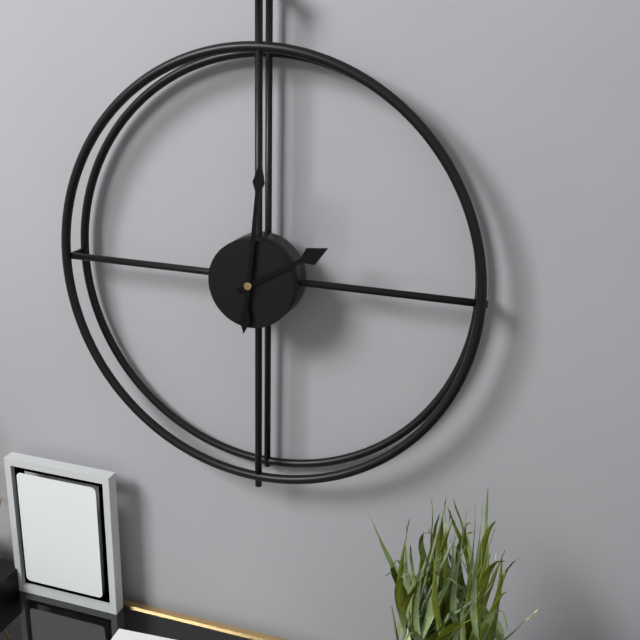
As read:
**2:01**
